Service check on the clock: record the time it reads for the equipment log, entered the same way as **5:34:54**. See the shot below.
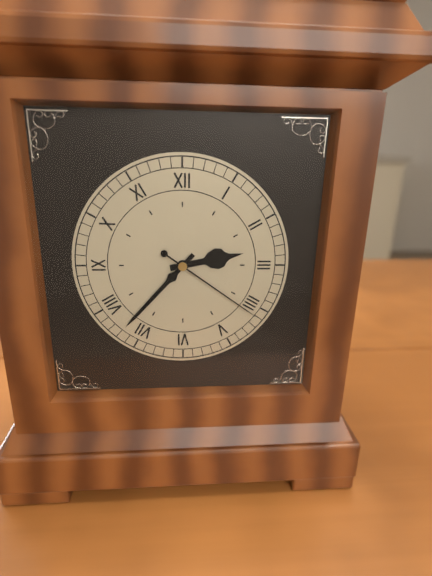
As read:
**2:37:21**
